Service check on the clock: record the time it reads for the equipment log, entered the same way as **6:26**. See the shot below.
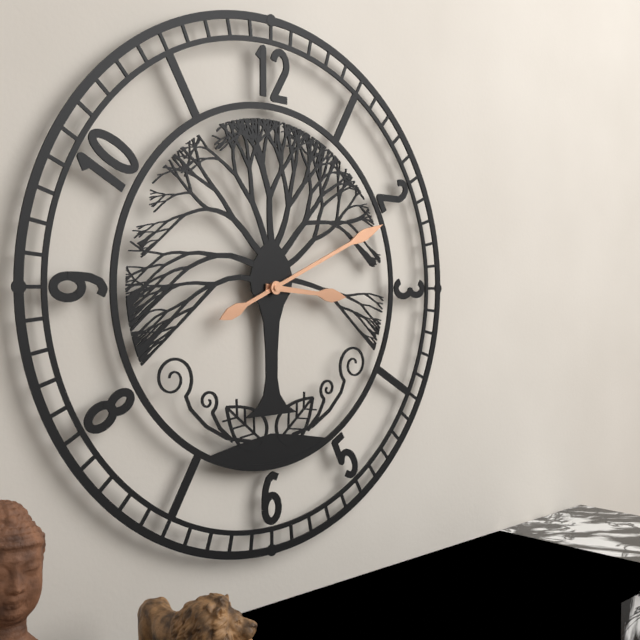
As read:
**3:11**
